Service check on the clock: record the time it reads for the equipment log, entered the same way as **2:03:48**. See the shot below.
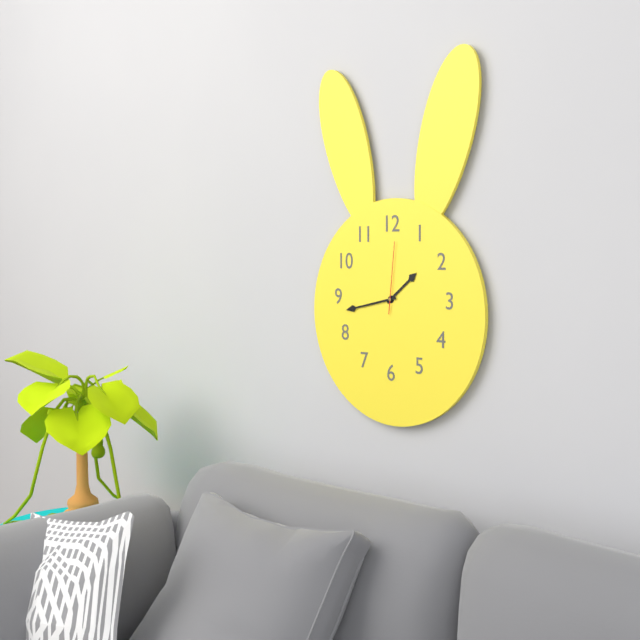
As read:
**1:43:01**
